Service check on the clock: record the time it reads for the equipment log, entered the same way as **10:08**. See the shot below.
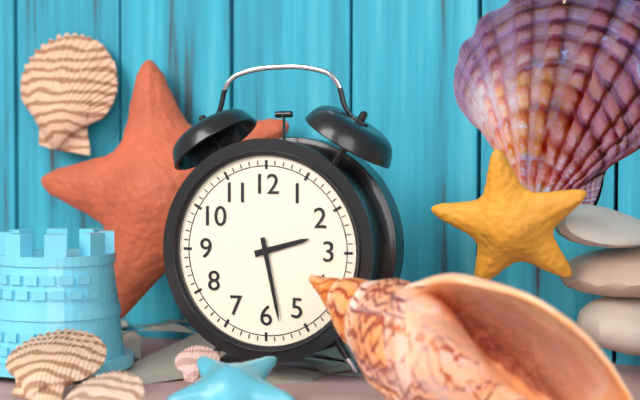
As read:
**2:28**
